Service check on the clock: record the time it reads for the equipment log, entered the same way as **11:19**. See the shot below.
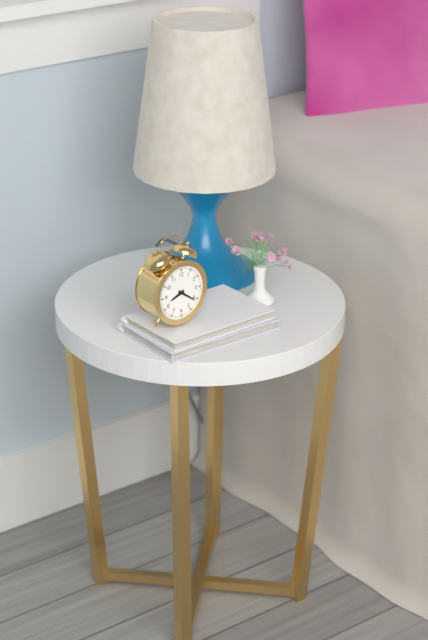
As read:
**8:21**
